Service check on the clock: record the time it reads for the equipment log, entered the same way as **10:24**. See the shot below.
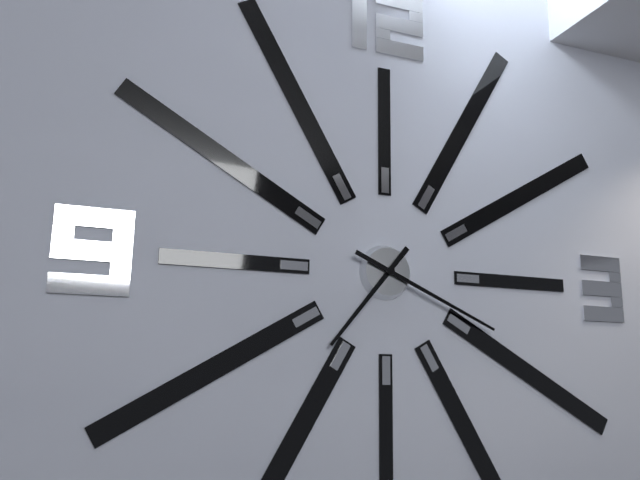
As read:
**7:19**
